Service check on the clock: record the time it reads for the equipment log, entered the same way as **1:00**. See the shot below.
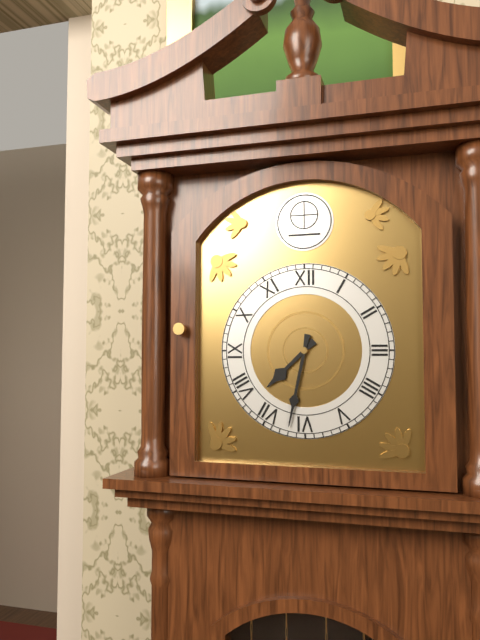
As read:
**7:32**
